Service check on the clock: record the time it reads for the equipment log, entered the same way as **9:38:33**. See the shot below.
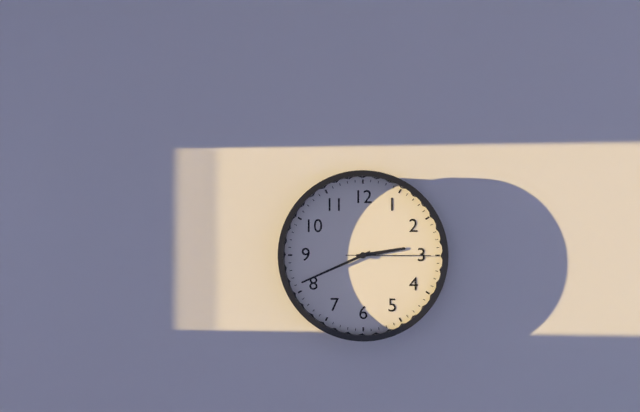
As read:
**2:41:15**
